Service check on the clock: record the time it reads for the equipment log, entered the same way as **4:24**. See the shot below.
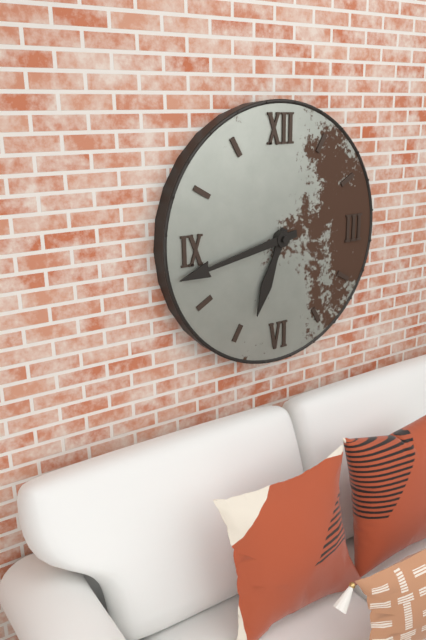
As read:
**6:43**
